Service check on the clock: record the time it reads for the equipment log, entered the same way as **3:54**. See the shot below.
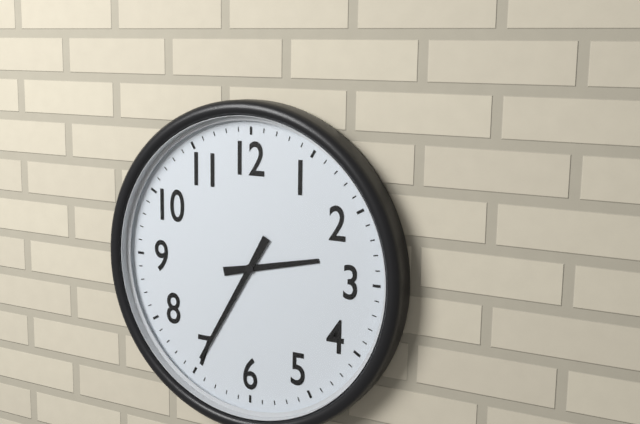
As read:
**2:35**
